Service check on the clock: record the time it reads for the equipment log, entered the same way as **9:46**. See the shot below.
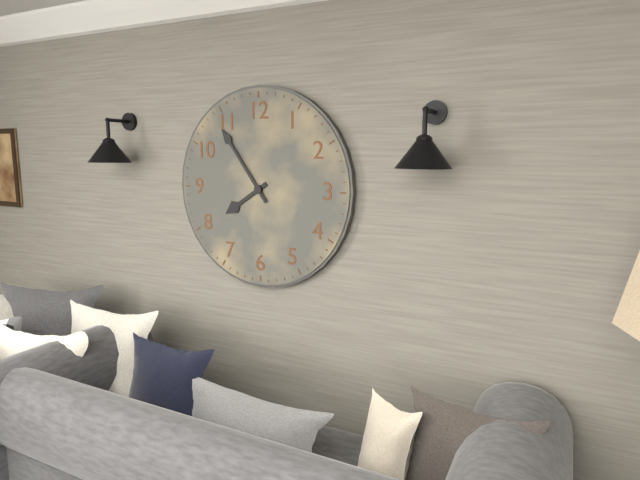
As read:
**7:54**
